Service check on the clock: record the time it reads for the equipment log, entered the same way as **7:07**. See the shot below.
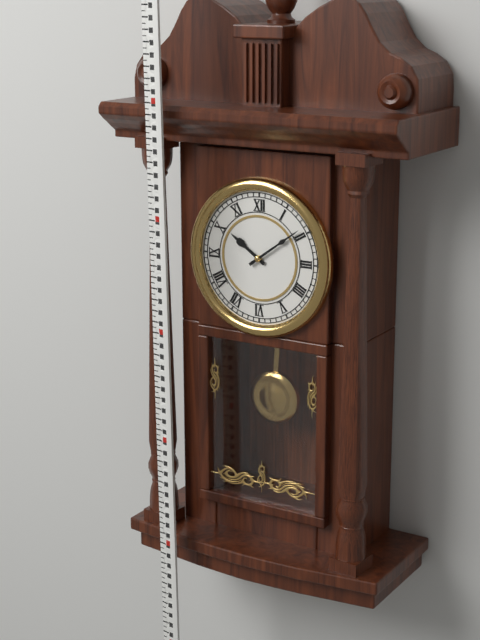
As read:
**10:09**
